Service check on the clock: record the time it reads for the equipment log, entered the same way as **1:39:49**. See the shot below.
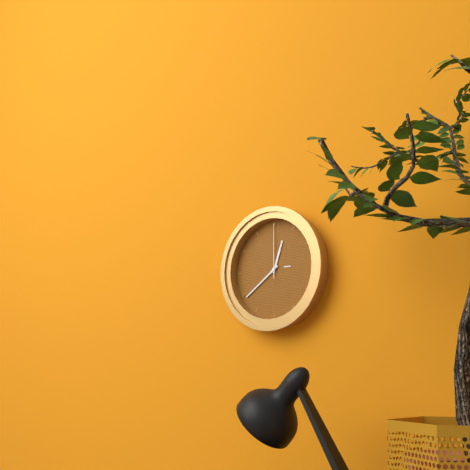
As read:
**12:39:00**
